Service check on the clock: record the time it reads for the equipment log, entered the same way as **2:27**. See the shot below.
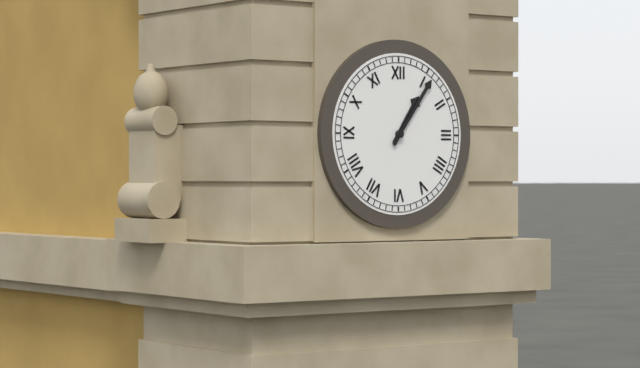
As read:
**1:06**
